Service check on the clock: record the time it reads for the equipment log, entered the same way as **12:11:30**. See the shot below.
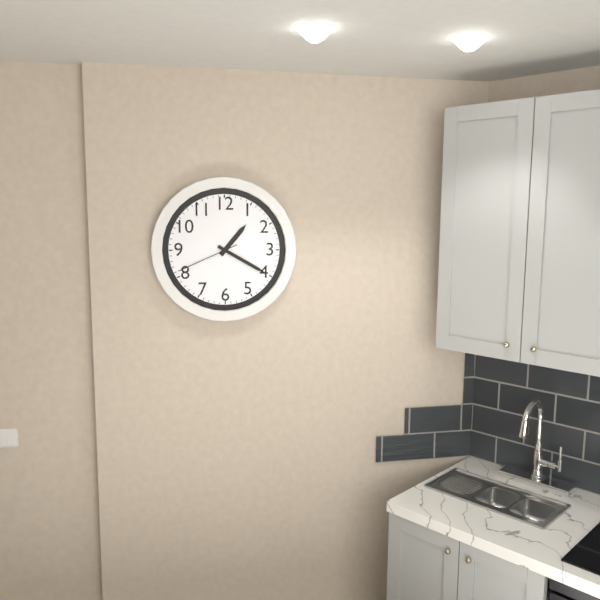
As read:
**1:20:41**
